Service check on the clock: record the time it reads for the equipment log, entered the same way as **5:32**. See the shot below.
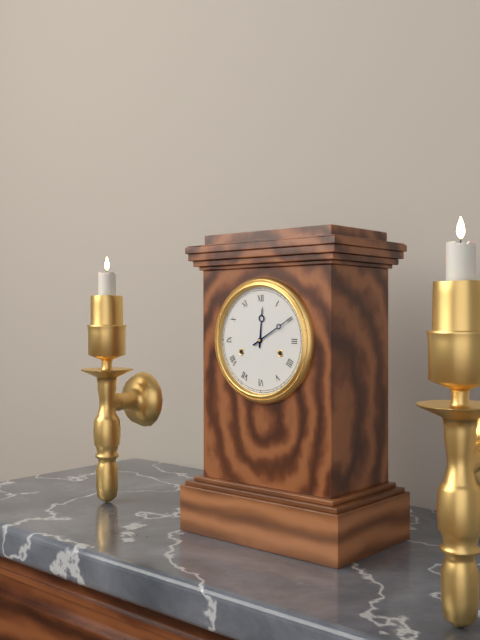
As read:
**12:10**
